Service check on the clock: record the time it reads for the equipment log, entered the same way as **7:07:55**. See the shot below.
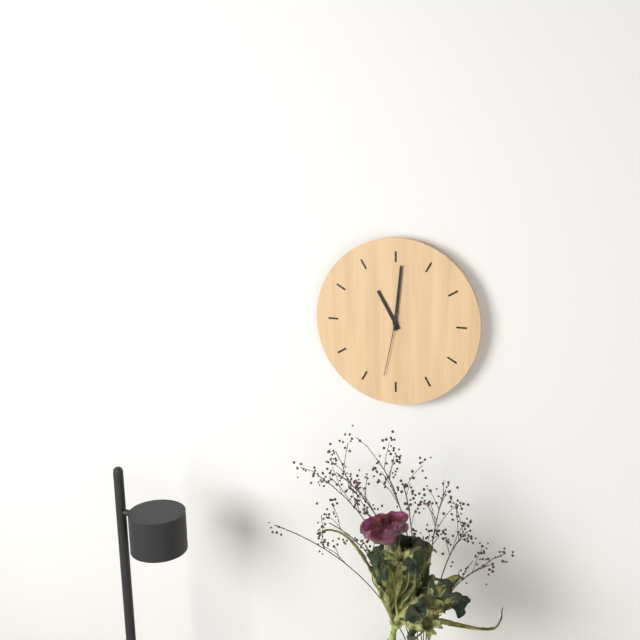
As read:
**11:01:32**
